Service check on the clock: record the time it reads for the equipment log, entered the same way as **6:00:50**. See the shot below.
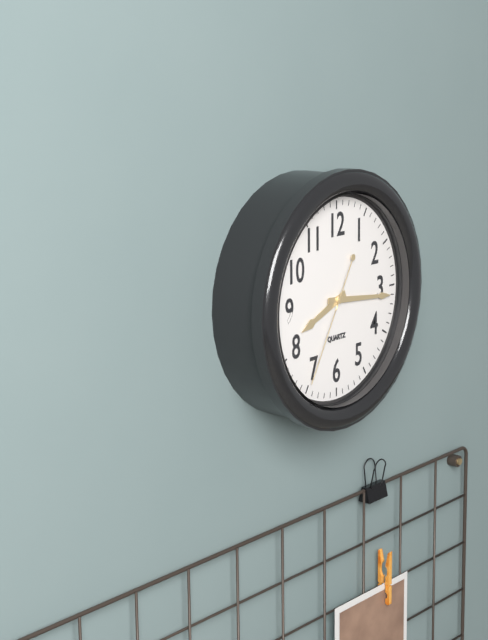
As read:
**8:16:35**
